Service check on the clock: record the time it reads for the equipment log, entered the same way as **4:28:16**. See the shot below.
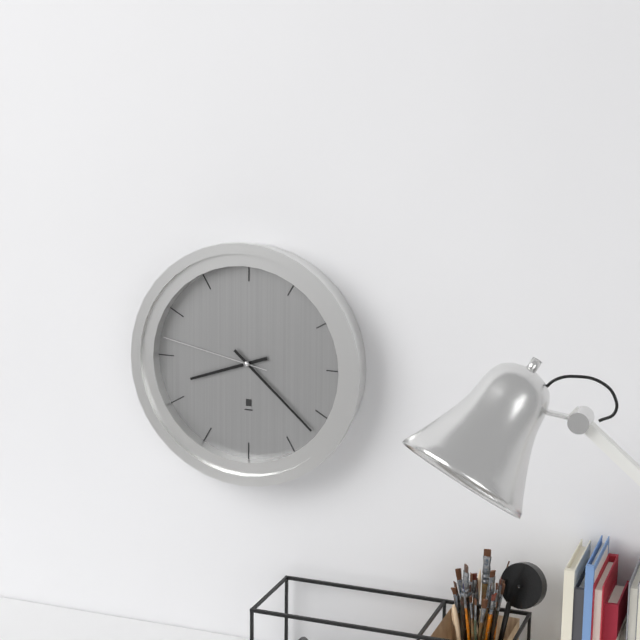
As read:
**8:22:47**
